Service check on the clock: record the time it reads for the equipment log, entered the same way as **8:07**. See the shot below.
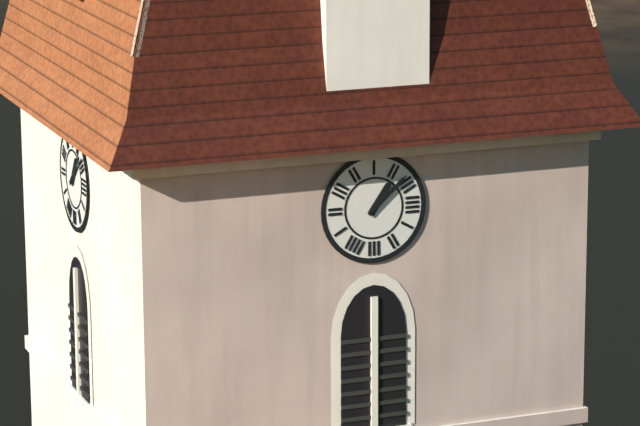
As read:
**1:08**
